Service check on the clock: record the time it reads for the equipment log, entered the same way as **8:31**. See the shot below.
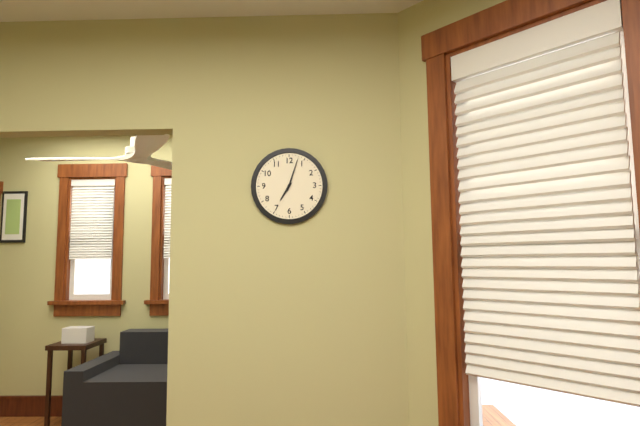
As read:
**7:03**
